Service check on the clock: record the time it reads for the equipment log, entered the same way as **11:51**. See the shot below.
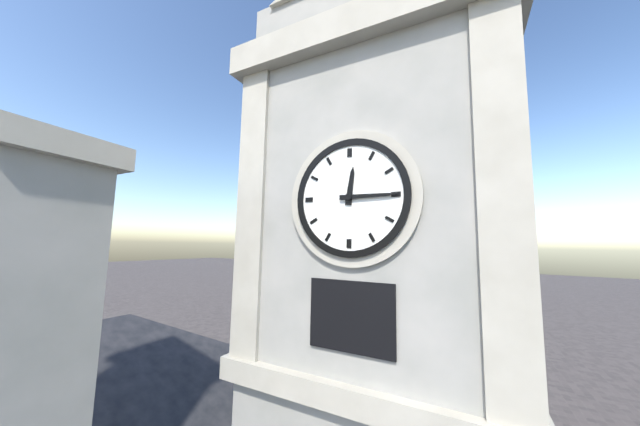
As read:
**12:15**
